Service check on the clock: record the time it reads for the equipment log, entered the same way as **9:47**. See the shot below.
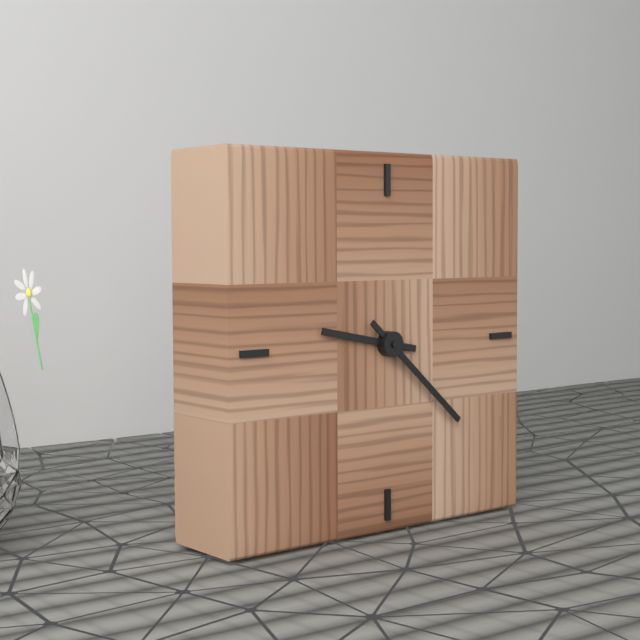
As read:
**9:22**
